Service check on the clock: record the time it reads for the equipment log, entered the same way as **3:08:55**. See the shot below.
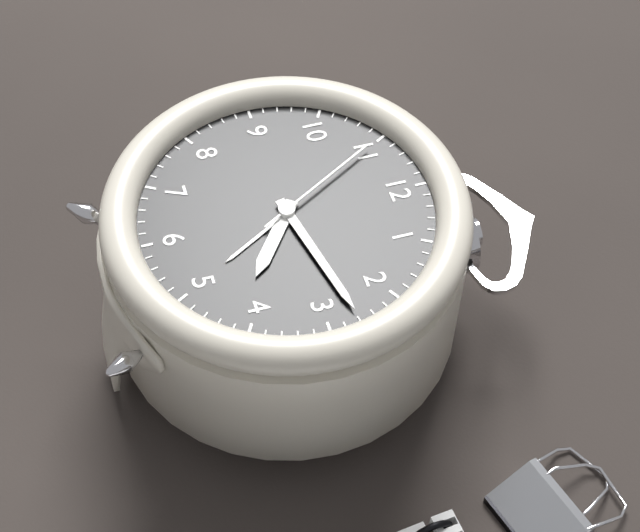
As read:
**4:13:55**
